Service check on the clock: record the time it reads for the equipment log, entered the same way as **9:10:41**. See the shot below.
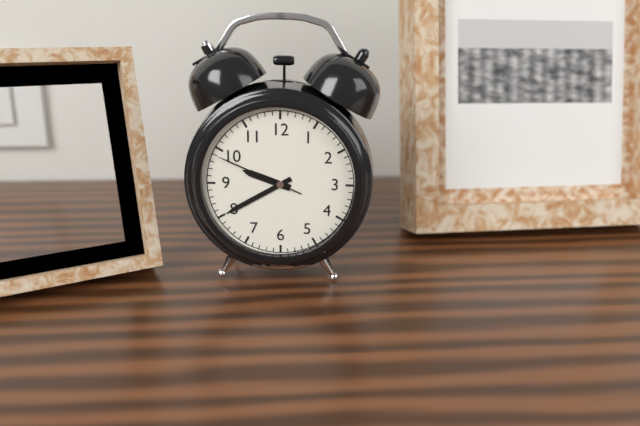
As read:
**9:40:49**
